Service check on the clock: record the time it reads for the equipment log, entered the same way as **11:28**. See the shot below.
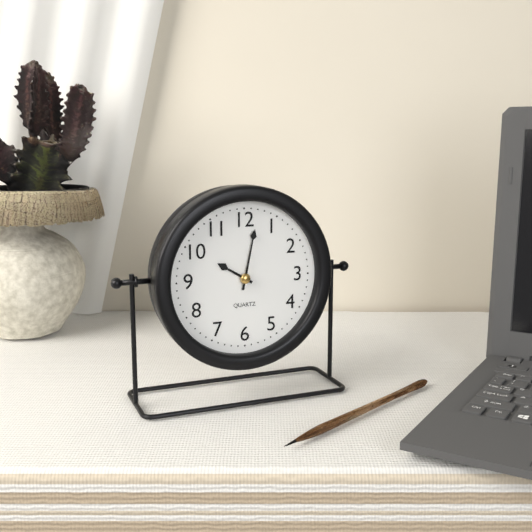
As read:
**10:02**
